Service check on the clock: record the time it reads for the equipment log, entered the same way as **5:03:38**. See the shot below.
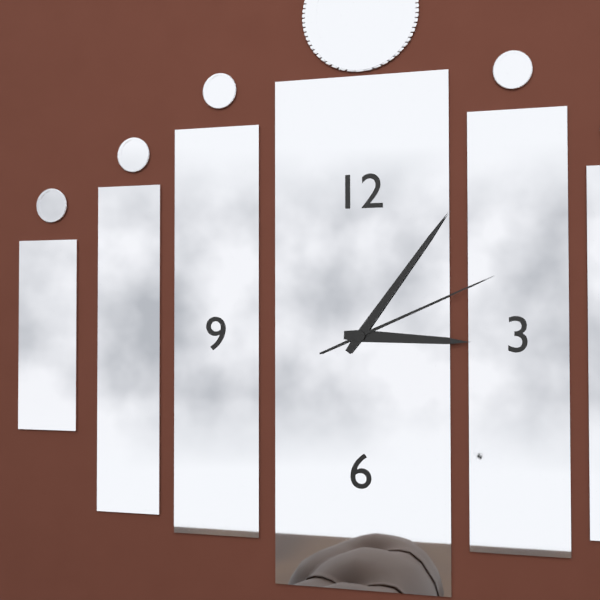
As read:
**3:06:11**
